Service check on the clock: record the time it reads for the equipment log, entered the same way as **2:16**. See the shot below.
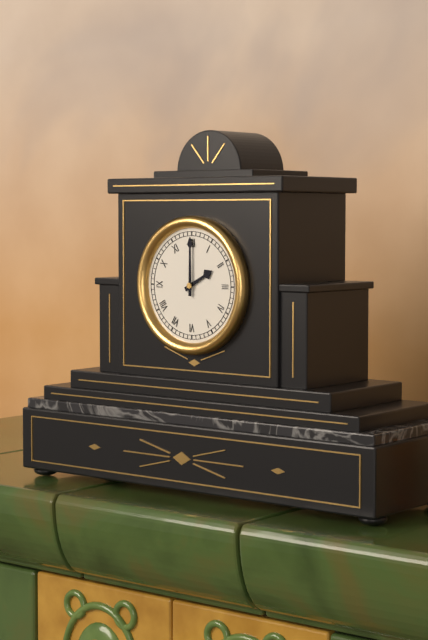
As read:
**2:00**
